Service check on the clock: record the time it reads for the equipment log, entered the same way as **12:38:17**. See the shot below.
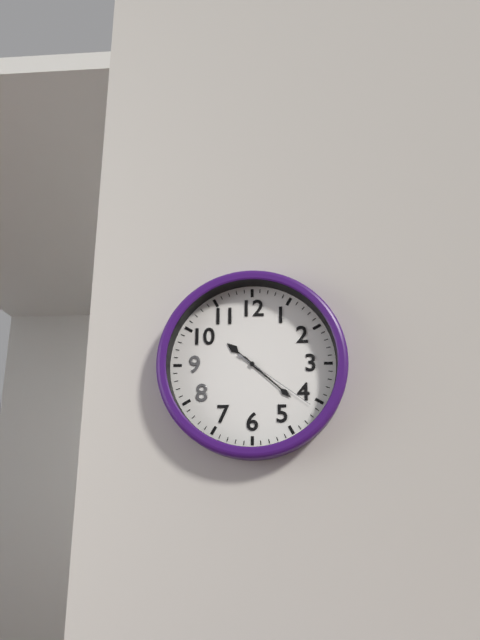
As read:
**10:22:21**
